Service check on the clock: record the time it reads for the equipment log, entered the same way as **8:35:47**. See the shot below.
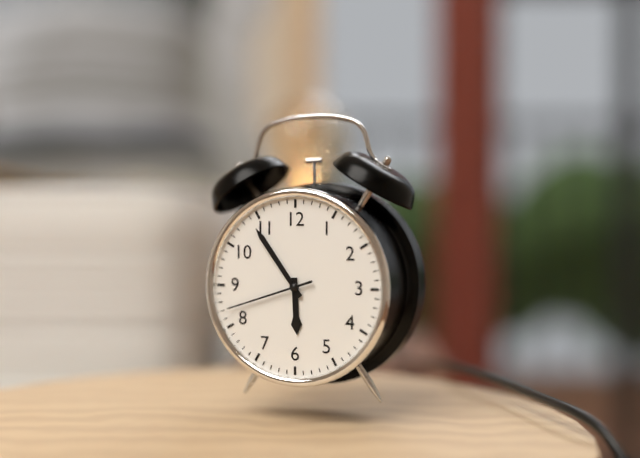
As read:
**5:54:42**
